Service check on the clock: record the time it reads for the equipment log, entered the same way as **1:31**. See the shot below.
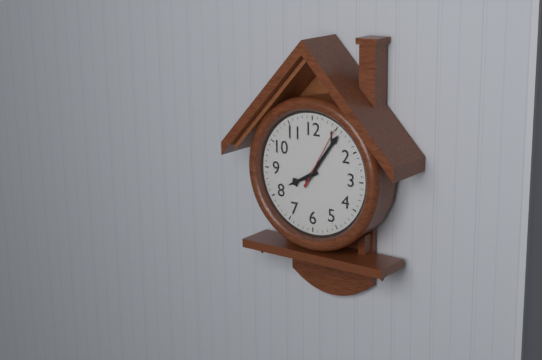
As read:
**8:06**
